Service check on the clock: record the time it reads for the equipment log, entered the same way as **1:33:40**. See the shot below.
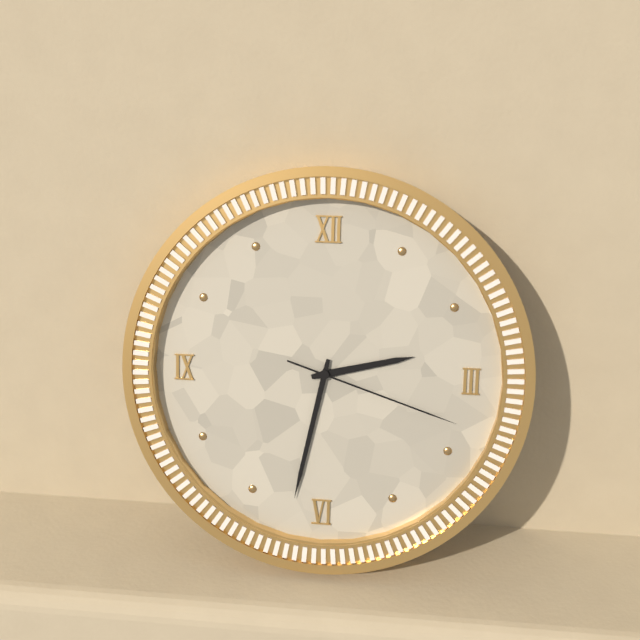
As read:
**2:32:18**
